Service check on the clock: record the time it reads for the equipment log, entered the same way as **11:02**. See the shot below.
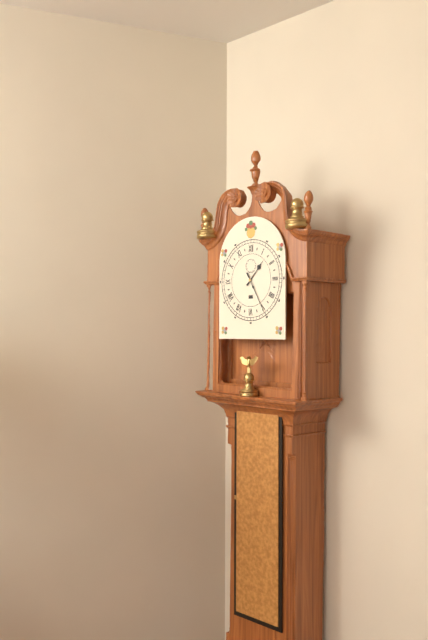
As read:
**1:25**
